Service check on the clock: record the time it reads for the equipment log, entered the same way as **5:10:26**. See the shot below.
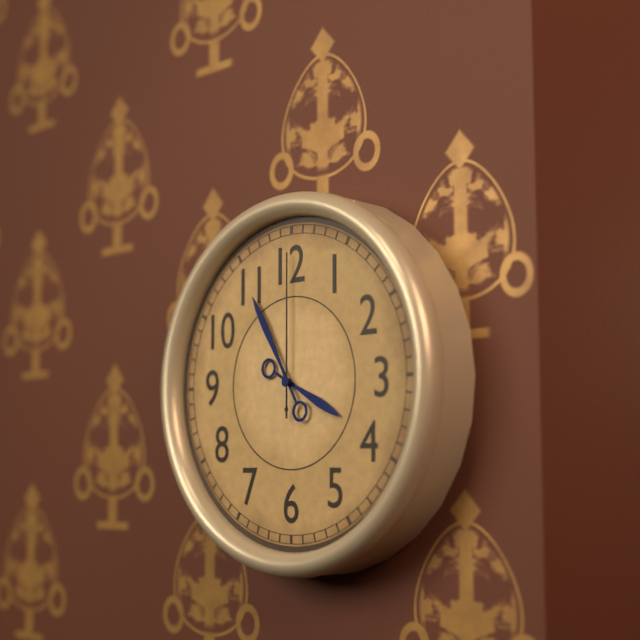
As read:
**3:55:00**
